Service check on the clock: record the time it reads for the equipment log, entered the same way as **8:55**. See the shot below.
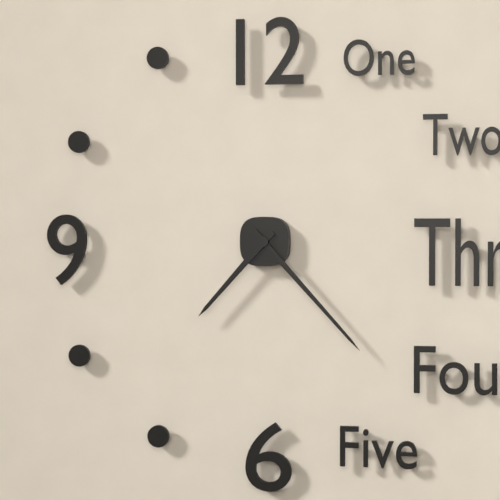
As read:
**7:23**
